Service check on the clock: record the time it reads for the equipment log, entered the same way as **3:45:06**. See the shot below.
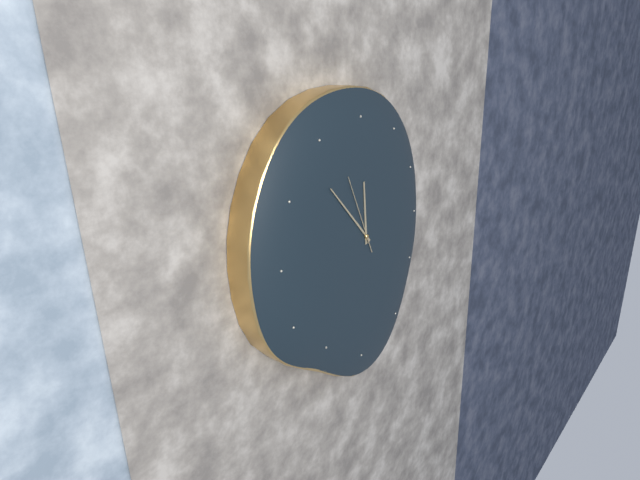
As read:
**11:53:56**
